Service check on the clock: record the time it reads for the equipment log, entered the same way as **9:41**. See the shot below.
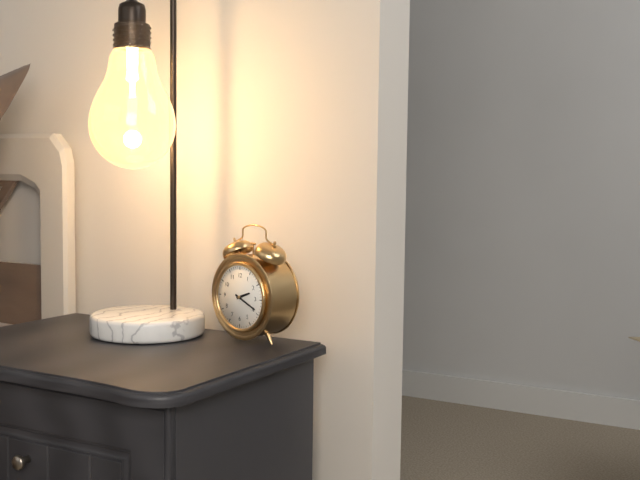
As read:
**2:19**
